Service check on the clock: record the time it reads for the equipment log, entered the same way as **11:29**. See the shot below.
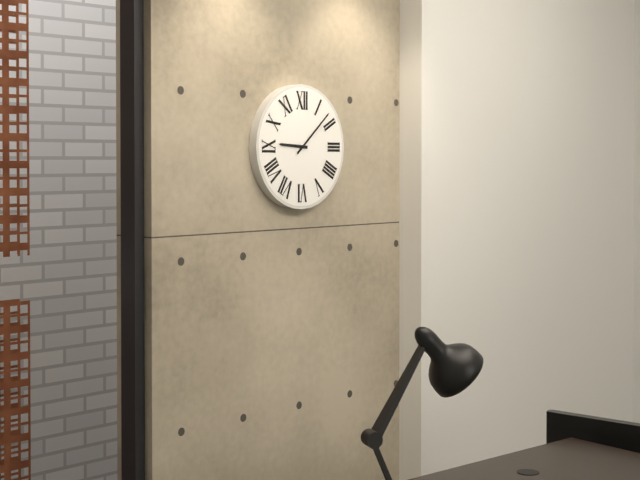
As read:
**9:08**
